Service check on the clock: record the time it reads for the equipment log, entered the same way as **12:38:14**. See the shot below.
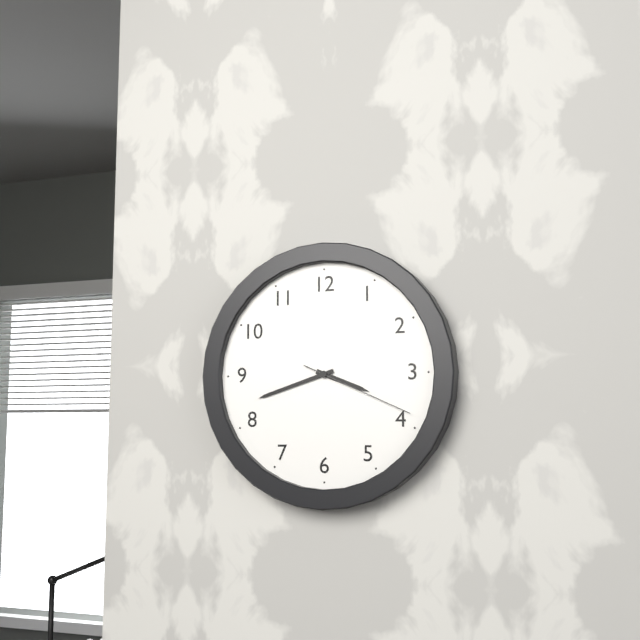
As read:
**3:42:19**
